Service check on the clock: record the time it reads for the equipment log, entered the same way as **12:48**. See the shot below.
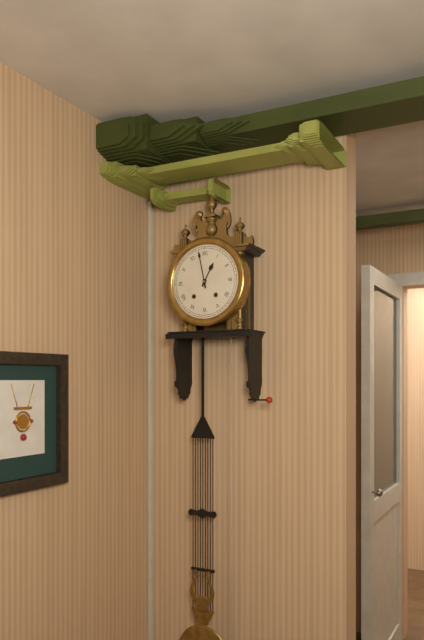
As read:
**12:58**
